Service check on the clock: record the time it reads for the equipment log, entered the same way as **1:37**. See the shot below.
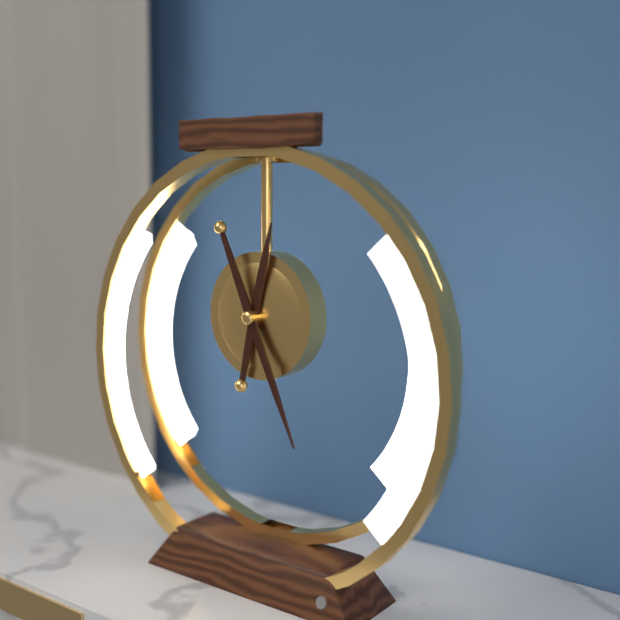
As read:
**12:26**
